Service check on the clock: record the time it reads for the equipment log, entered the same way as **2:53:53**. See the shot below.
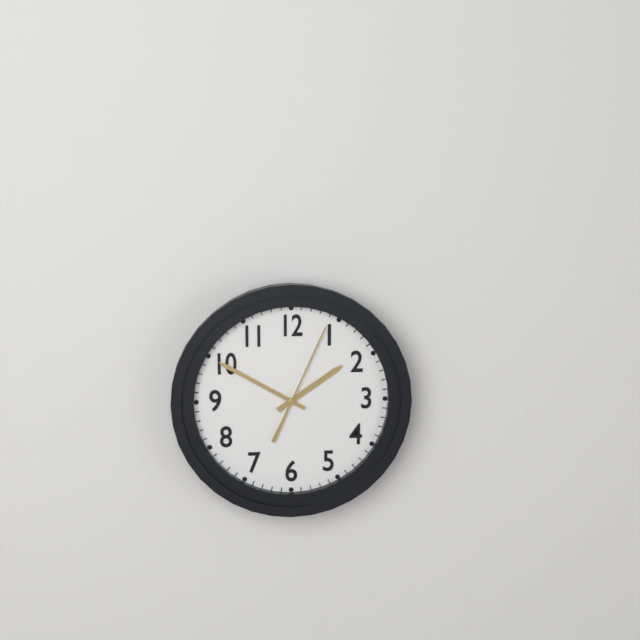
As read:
**1:50:04**
